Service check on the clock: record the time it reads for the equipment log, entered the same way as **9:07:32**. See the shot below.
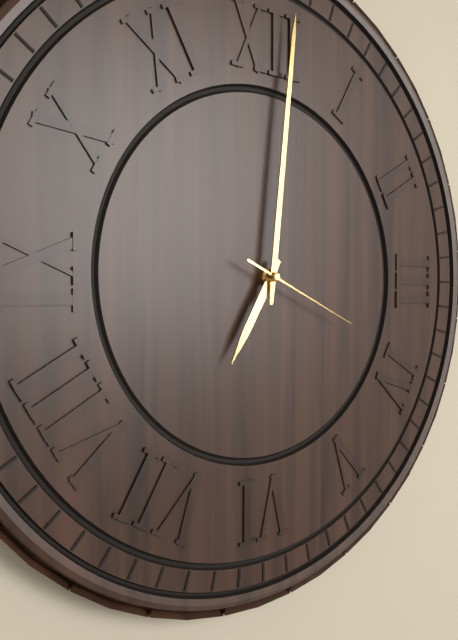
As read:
**7:01:19**
